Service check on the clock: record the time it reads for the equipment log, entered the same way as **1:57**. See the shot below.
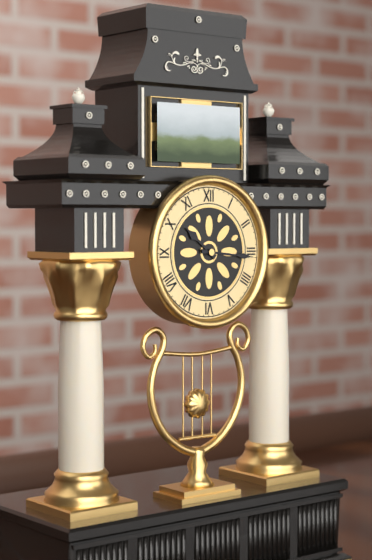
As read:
**10:16**
